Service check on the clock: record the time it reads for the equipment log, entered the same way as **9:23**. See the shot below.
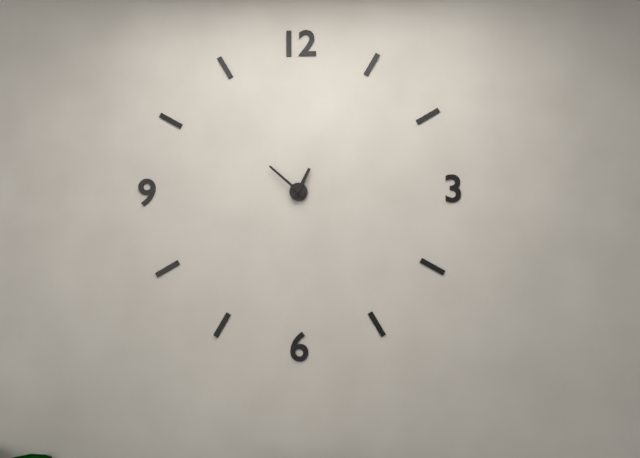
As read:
**12:52**
